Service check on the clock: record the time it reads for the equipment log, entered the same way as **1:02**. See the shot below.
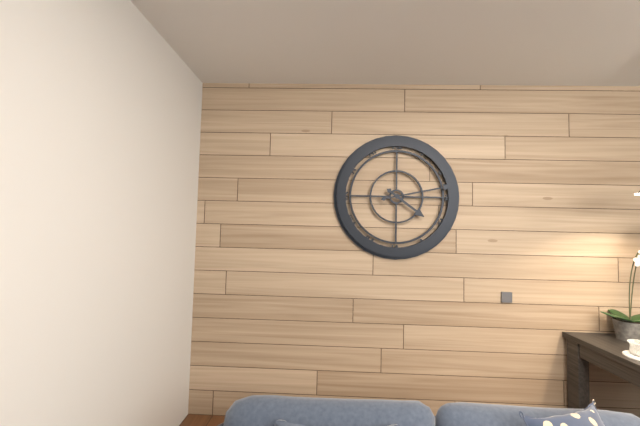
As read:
**4:13**
